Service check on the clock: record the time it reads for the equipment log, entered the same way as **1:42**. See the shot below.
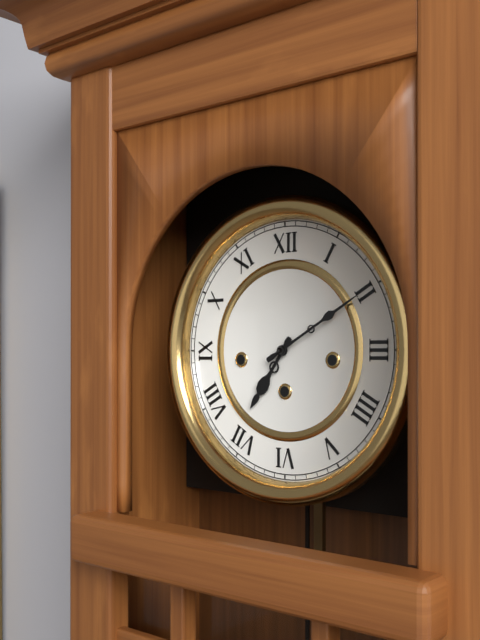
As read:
**7:10**
